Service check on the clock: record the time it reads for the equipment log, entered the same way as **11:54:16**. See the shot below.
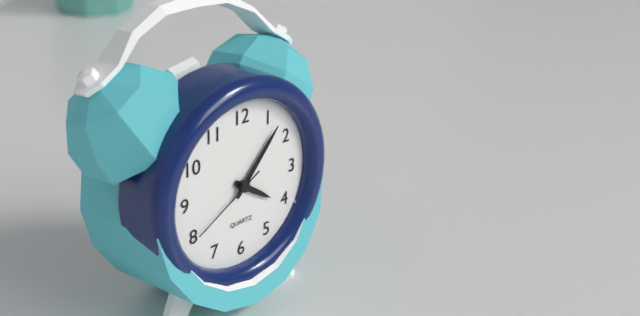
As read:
**4:07:40**
